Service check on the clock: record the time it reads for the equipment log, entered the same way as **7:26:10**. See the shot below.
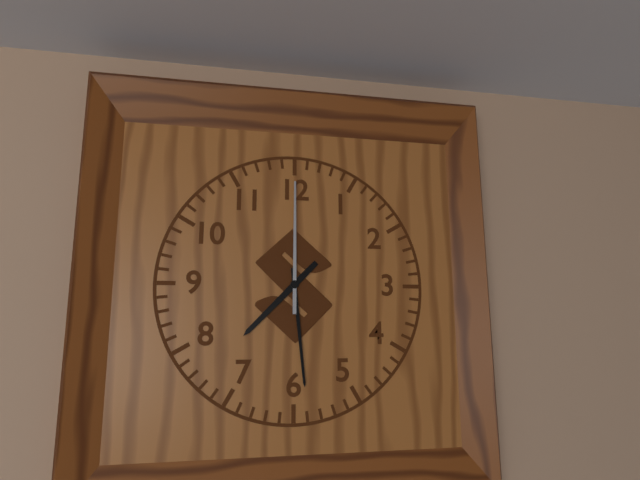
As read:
**7:29:00**
